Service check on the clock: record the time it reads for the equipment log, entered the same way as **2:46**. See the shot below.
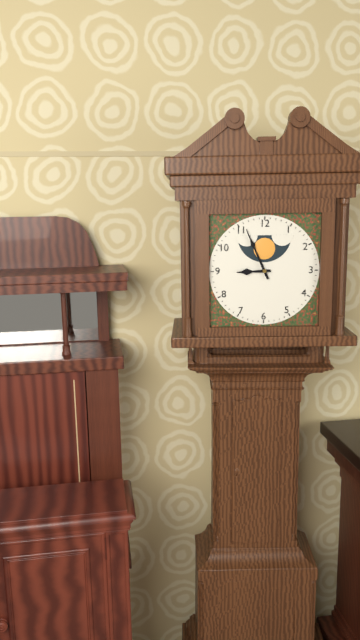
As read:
**8:56**
